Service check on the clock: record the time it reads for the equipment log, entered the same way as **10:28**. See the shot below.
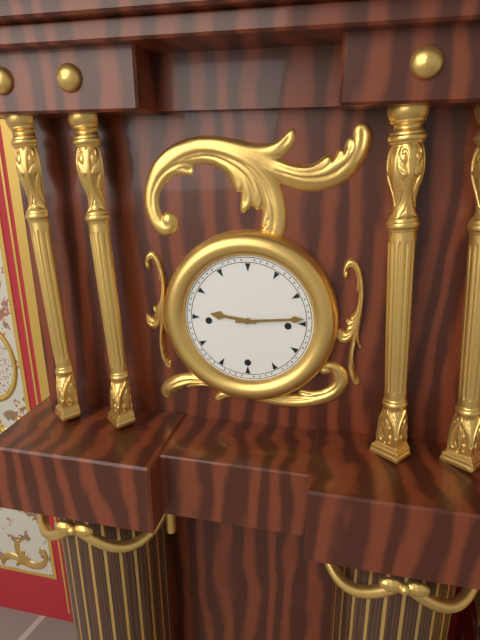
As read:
**9:14**
